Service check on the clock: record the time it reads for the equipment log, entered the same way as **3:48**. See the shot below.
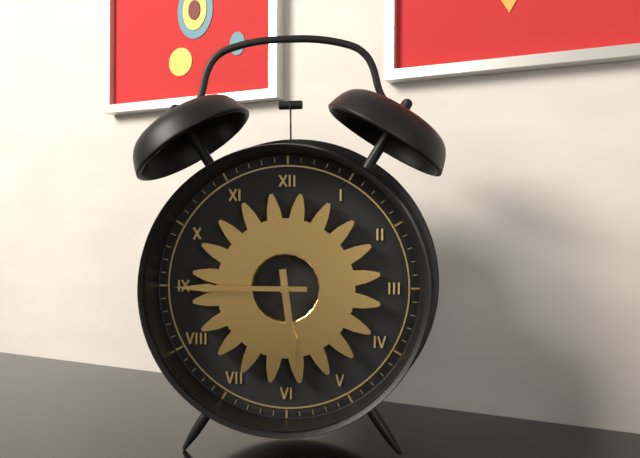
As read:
**5:45**
